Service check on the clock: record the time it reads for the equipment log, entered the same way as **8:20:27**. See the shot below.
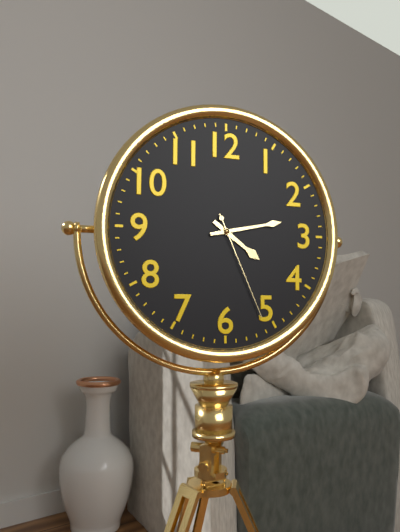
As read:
**4:13:26**
